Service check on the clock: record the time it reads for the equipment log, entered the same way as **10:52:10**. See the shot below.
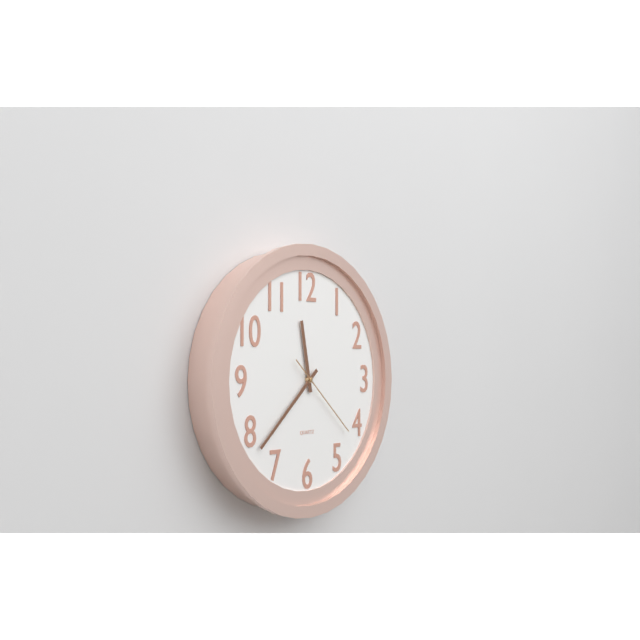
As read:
**11:38:22**
